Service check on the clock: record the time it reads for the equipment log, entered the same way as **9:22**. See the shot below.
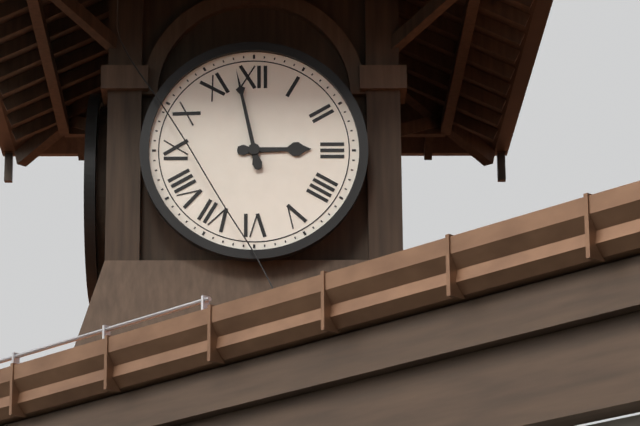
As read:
**2:58**
